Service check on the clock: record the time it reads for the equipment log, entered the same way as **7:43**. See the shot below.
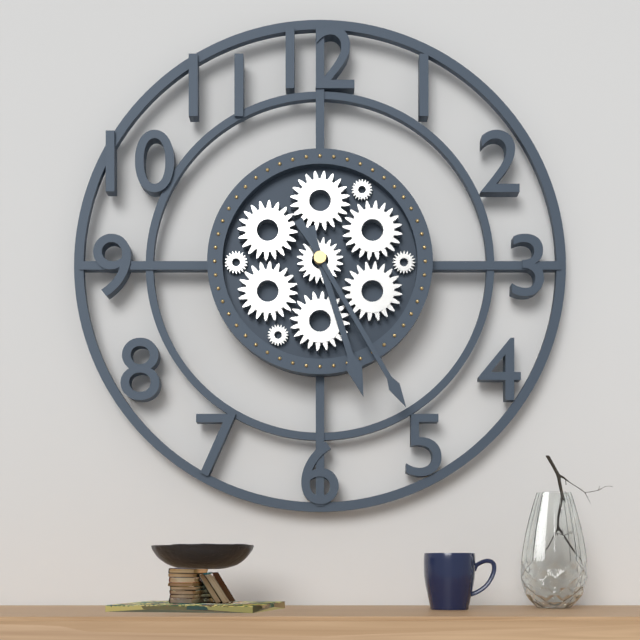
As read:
**5:25**
